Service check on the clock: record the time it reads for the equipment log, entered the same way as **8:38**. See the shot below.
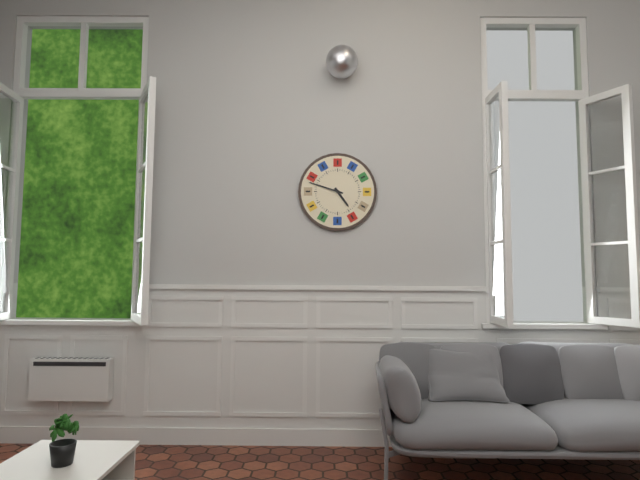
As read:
**4:48**
